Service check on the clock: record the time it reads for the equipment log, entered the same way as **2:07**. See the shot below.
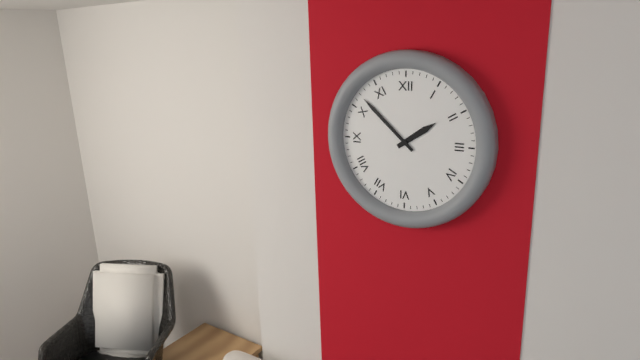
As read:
**1:52**
